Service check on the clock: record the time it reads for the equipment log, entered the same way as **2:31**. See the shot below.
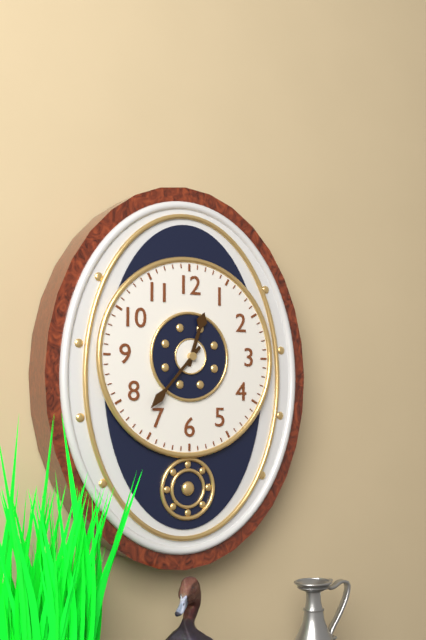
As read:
**12:37**
